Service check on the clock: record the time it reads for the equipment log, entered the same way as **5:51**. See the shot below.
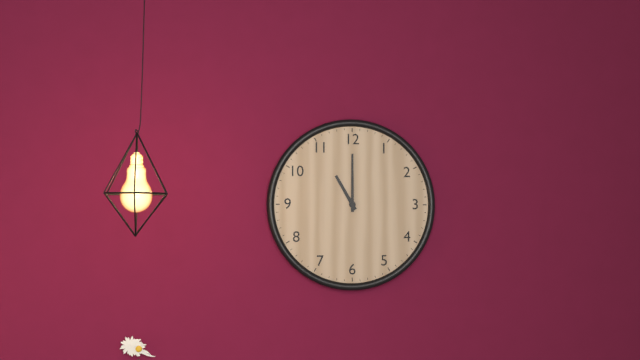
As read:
**11:00**
